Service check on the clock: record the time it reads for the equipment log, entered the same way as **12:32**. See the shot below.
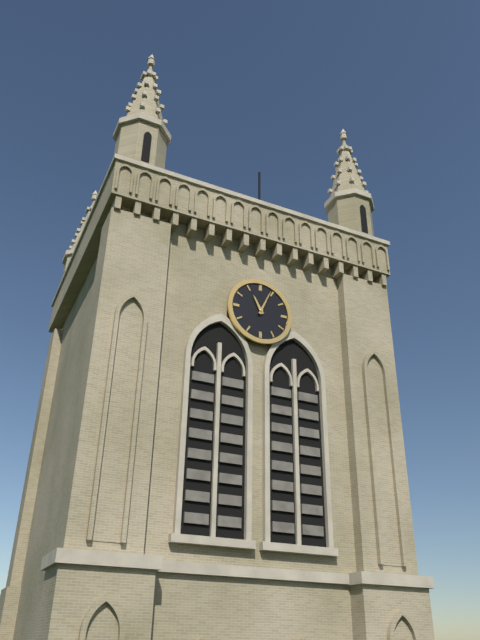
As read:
**11:04**
